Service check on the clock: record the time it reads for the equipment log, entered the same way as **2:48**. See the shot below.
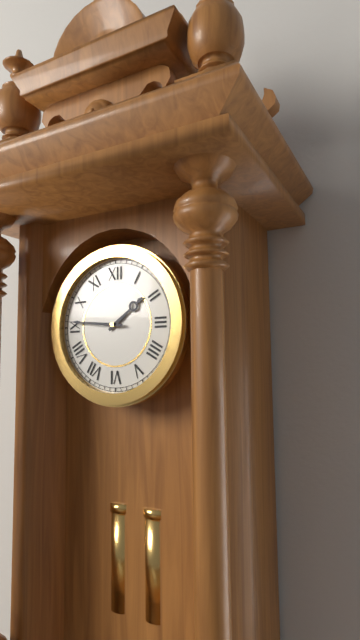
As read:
**1:46**
